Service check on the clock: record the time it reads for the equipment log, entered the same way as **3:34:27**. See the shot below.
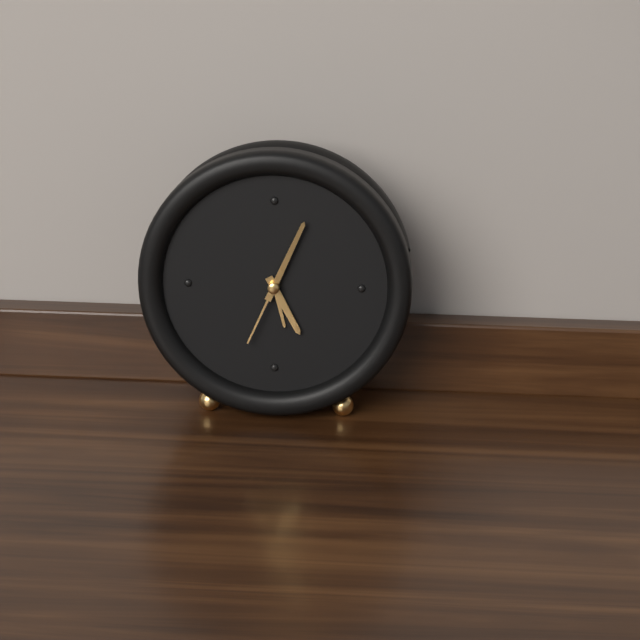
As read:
**5:04:34**
